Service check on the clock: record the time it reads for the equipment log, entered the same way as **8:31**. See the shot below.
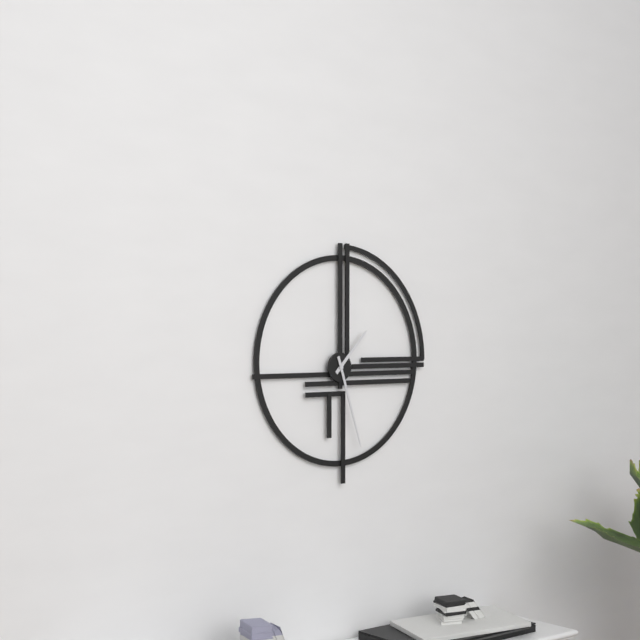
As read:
**1:27**
